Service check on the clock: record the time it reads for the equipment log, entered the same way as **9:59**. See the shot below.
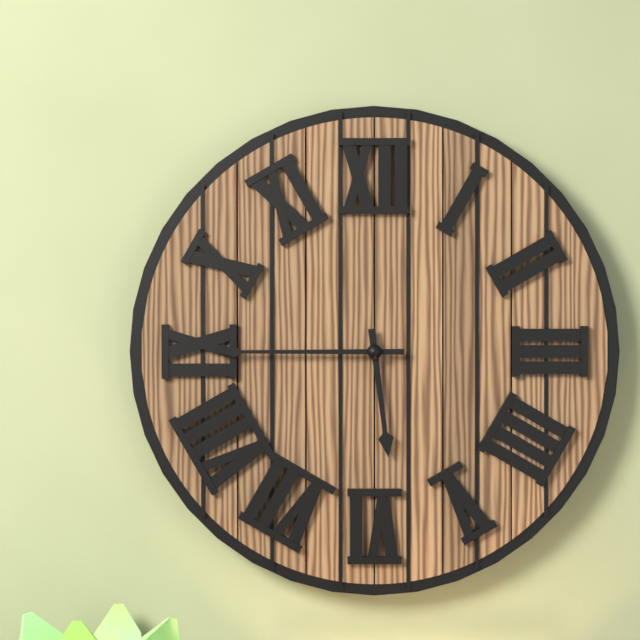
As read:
**5:45**
